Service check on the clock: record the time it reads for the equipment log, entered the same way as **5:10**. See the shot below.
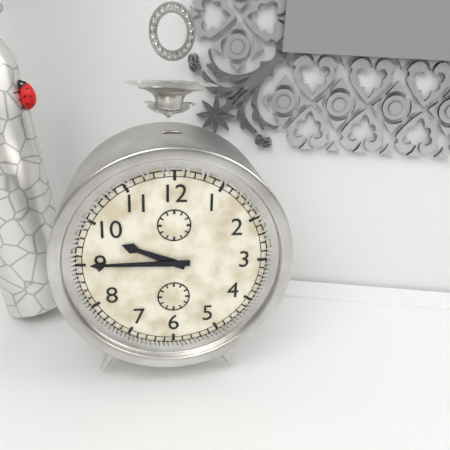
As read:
**9:45**
